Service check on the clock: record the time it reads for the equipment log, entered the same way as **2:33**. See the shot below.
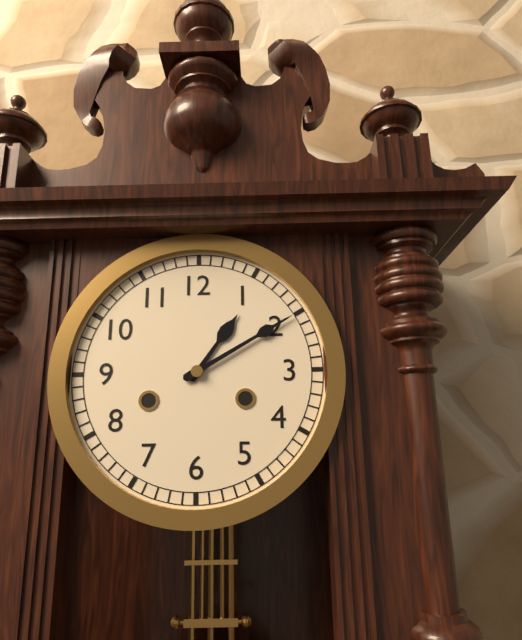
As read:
**1:10**
